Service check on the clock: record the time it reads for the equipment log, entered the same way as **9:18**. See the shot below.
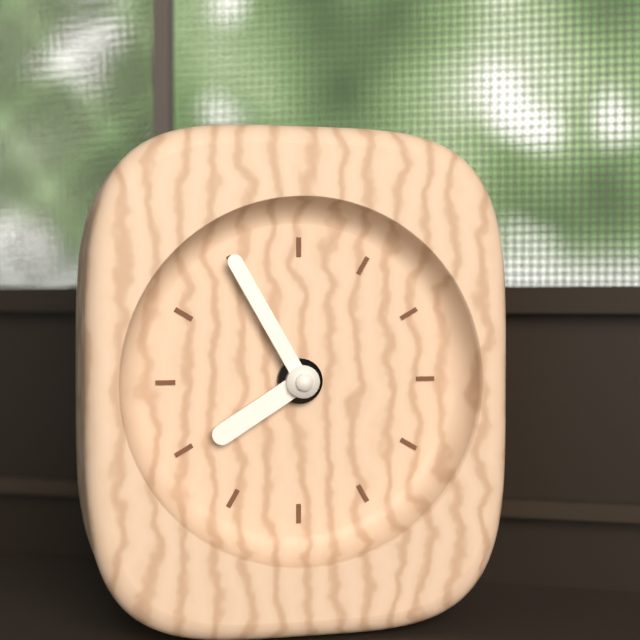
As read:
**7:55**
